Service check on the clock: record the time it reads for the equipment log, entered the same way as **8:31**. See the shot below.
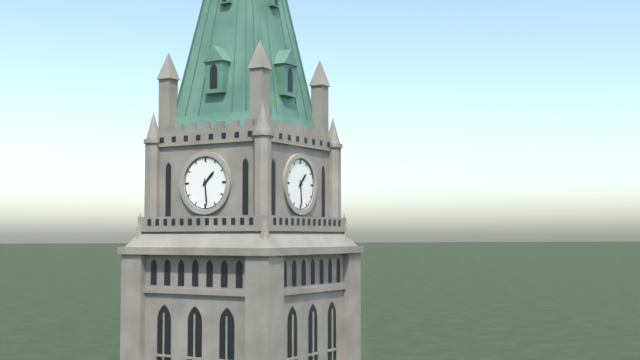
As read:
**1:29**
